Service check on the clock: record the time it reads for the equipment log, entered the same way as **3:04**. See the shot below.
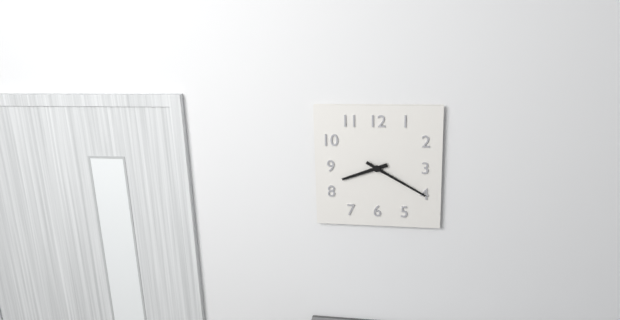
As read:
**8:20**
